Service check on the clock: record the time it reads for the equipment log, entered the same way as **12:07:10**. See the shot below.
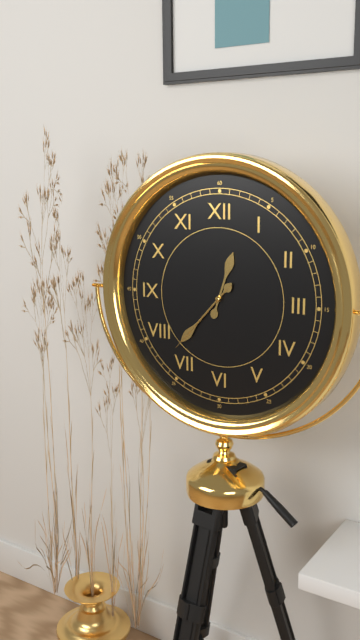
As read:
**12:37:37**
